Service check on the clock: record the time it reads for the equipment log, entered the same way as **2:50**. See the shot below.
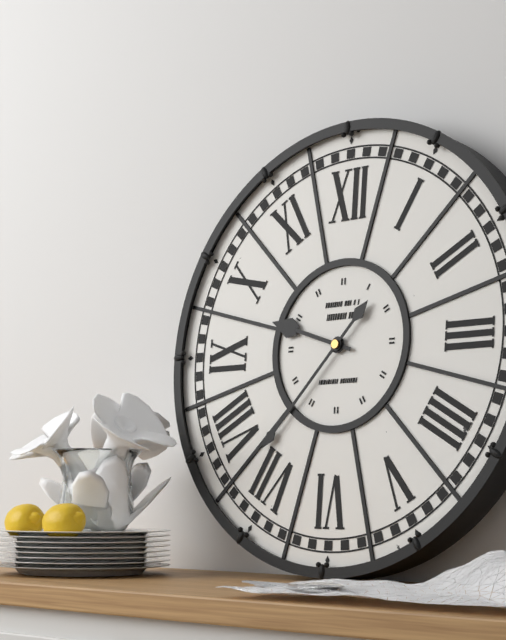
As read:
**9:37**
